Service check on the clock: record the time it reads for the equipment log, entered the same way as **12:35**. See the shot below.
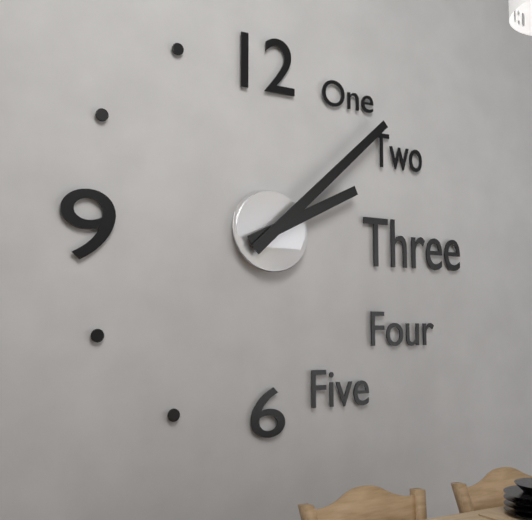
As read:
**2:08**
